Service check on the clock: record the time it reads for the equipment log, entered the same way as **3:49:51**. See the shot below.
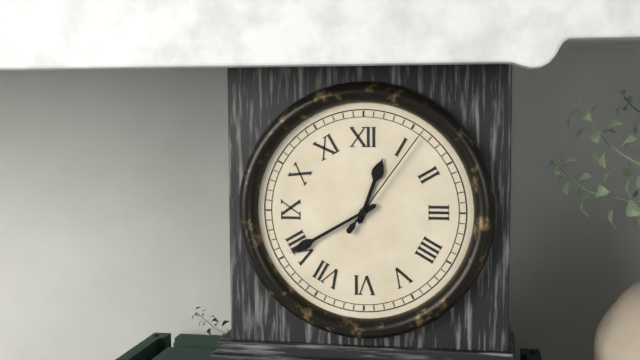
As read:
**12:40:06**
